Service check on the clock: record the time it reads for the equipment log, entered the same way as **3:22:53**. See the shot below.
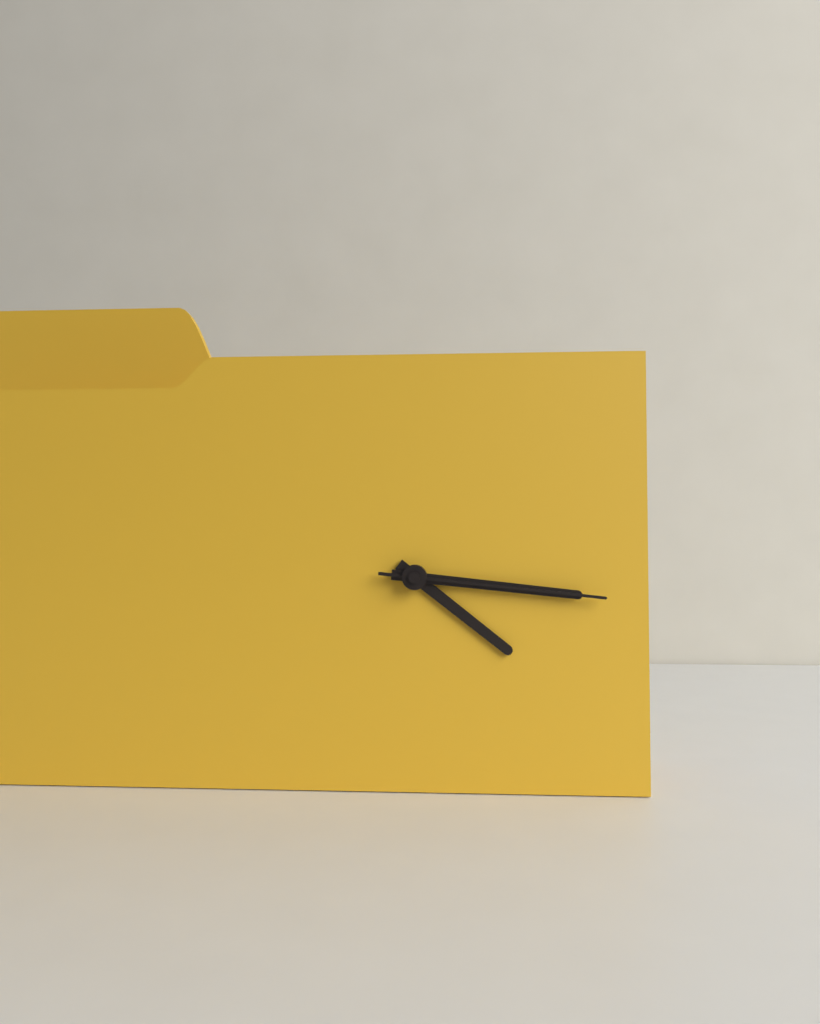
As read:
**4:16:16**
